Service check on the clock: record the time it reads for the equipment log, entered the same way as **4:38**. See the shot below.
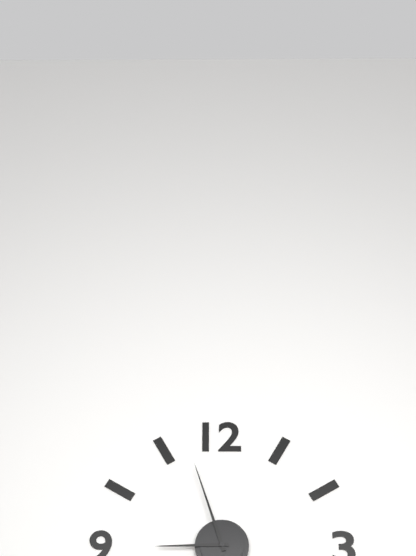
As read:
**8:57**
